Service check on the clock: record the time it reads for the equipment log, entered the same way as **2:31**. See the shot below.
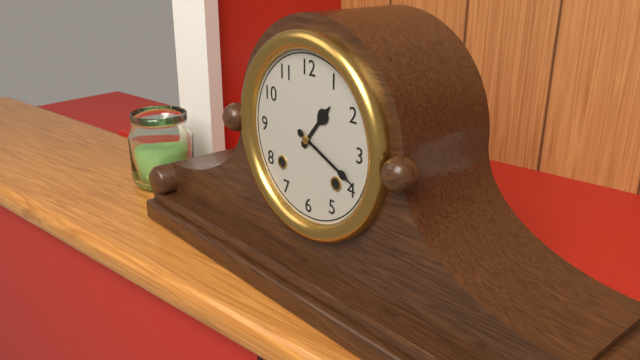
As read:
**1:19**
